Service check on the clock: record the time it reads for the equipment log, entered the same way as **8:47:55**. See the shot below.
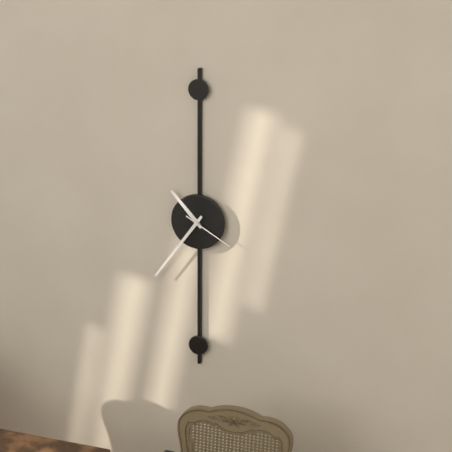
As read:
**10:36:20**
